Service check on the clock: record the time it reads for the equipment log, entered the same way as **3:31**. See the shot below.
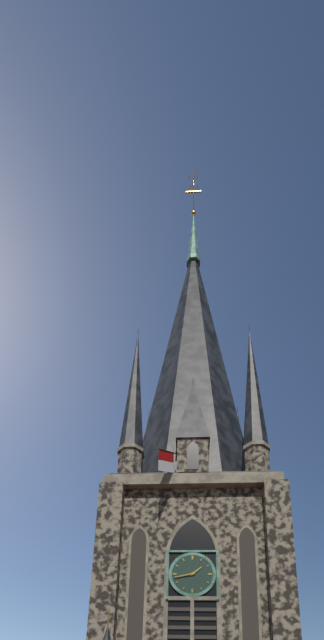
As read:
**1:43**
